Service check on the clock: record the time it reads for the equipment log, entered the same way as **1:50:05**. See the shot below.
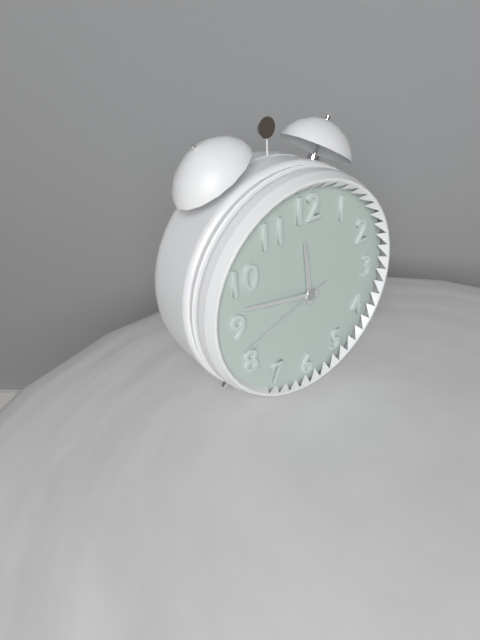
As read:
**11:47:42**
